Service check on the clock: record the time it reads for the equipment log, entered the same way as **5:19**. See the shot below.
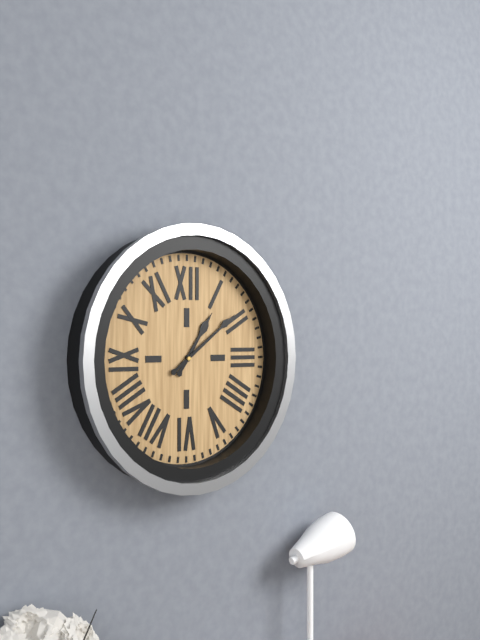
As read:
**1:09**
